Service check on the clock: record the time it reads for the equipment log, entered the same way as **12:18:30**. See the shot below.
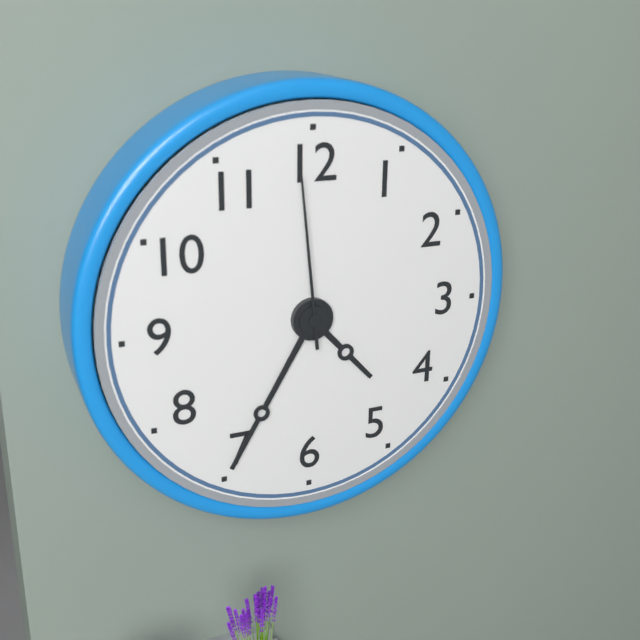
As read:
**4:35:59**
